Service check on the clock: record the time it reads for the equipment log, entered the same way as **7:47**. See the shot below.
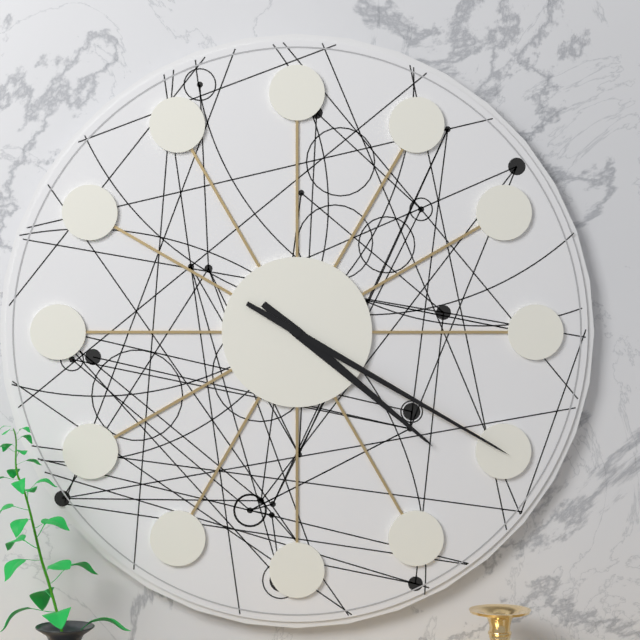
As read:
**4:20**
